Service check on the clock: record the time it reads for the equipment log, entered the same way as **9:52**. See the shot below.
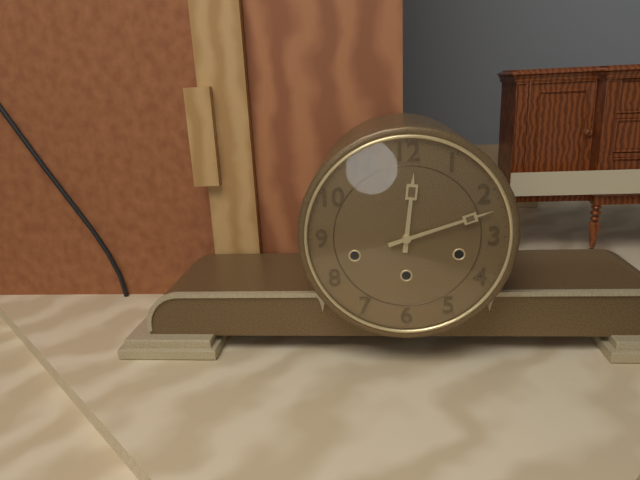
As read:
**12:12**
